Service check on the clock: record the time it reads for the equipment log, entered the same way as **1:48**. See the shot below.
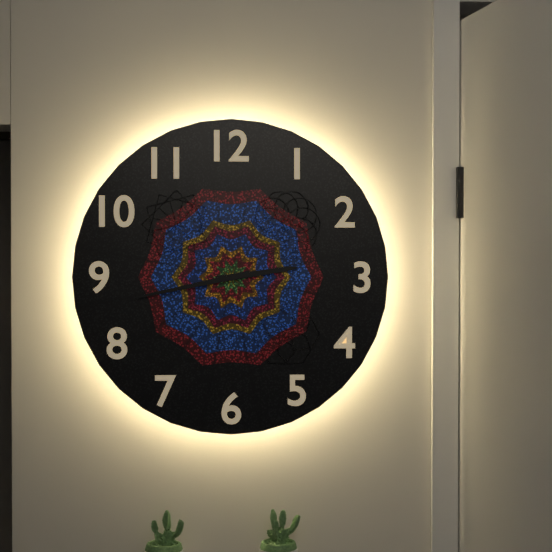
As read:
**2:43**
